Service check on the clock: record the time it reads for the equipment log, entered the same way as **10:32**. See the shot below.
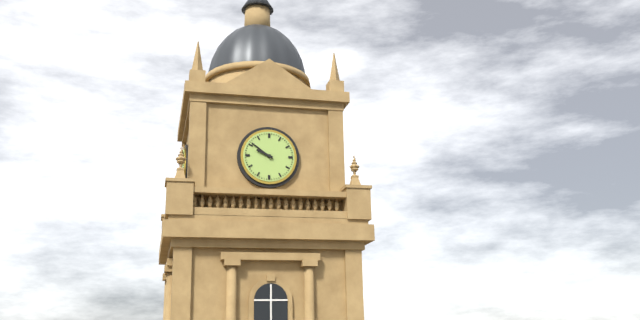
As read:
**9:51**
